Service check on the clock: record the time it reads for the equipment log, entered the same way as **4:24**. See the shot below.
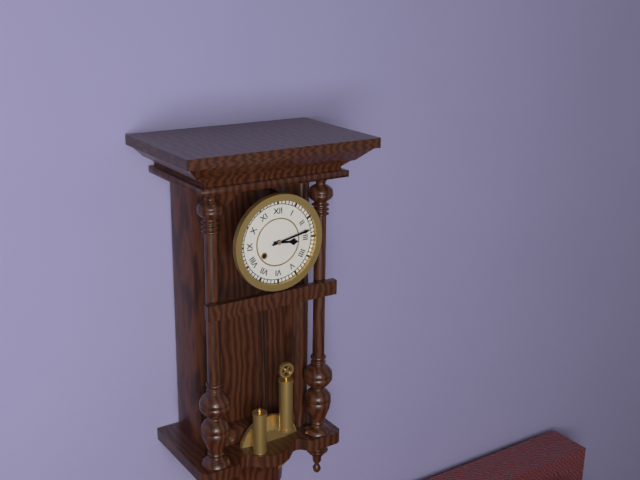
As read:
**3:13**
